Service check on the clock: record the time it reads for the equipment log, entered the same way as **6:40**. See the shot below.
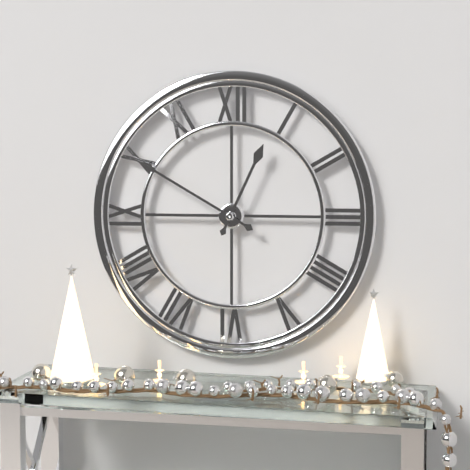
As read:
**12:50**
